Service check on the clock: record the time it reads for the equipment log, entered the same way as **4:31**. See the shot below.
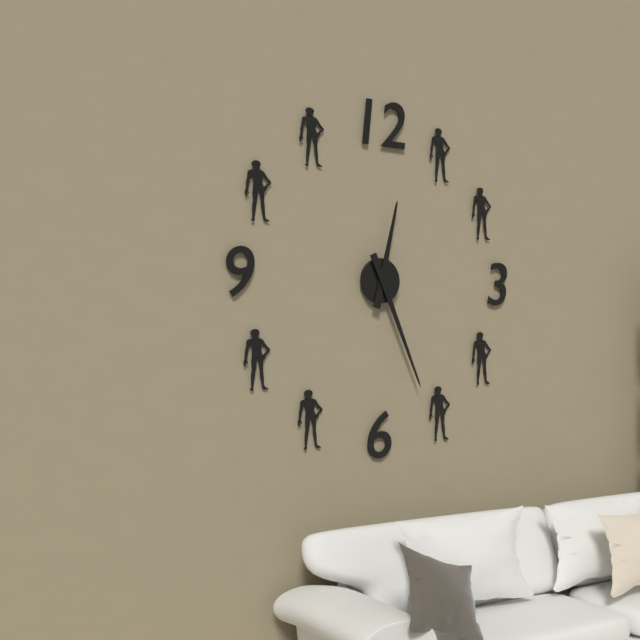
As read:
**12:26**
